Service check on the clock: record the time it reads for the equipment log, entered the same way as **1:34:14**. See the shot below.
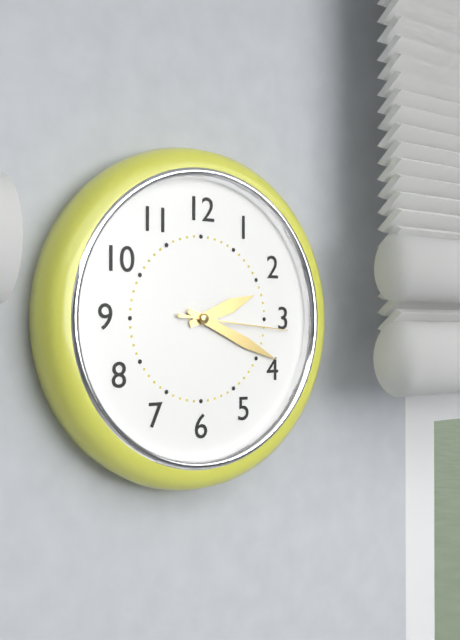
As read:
**2:19:16**
